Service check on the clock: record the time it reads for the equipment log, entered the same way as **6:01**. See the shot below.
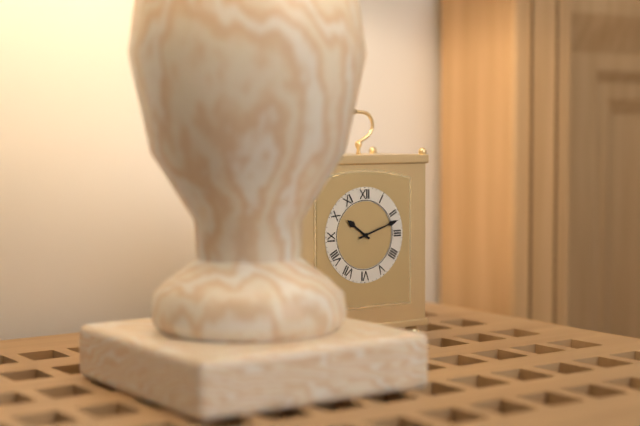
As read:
**10:12**
